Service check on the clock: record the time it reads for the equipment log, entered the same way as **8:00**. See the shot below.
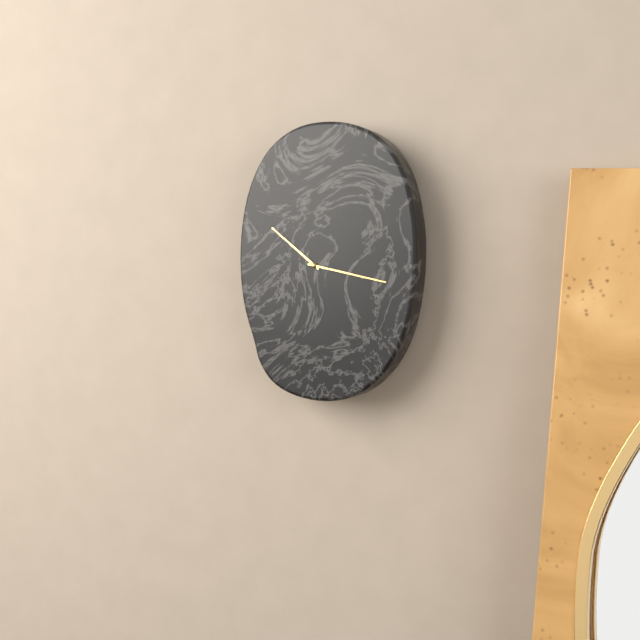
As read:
**10:17**
